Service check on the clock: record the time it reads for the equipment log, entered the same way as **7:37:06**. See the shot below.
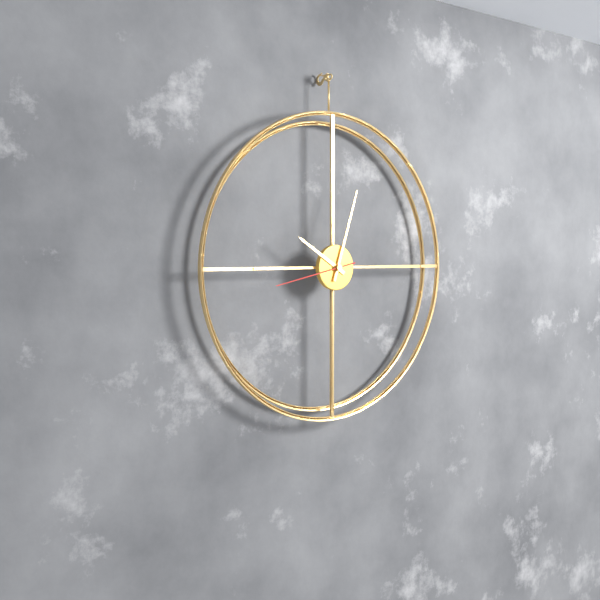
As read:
**10:03:43**
